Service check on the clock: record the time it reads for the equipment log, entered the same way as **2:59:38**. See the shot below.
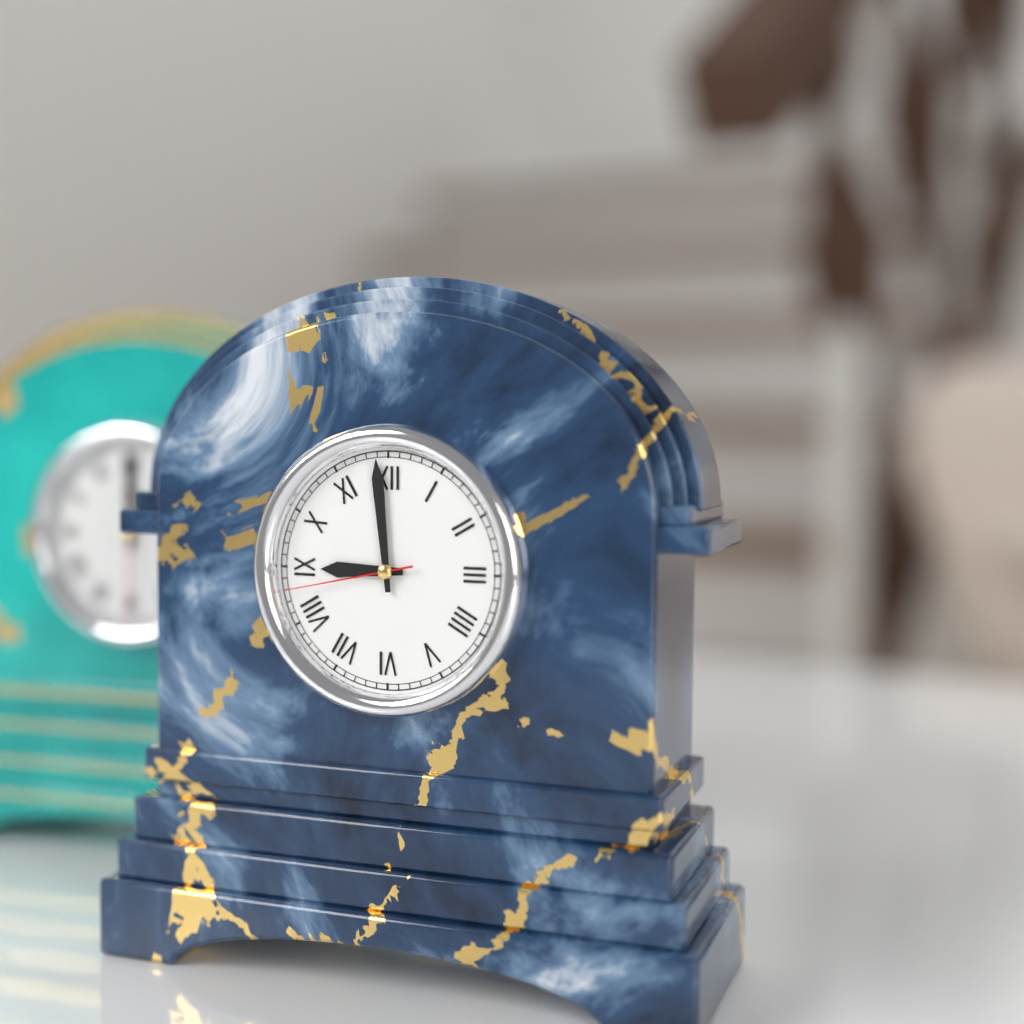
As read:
**8:59:43**
